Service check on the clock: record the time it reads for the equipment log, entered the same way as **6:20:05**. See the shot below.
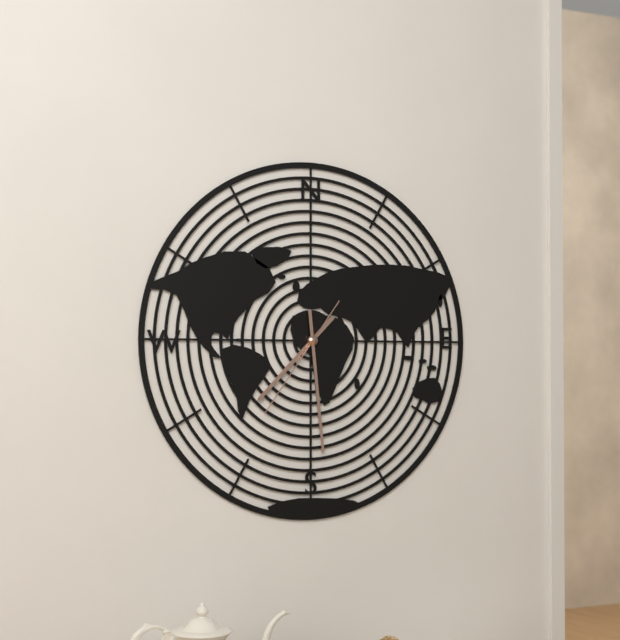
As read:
**7:29:36**
